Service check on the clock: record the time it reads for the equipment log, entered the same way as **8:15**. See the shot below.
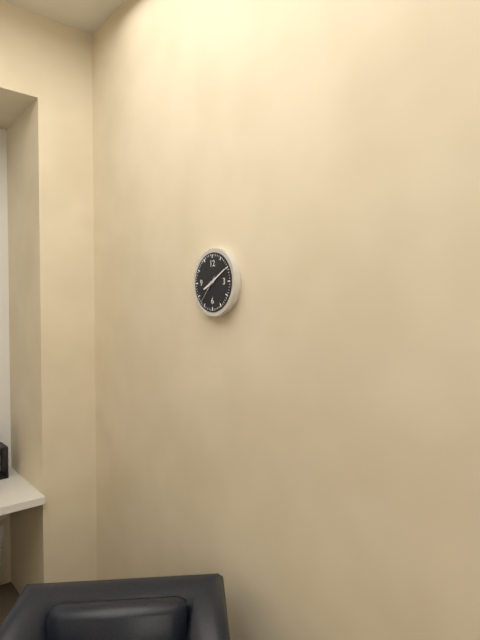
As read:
**8:10**
